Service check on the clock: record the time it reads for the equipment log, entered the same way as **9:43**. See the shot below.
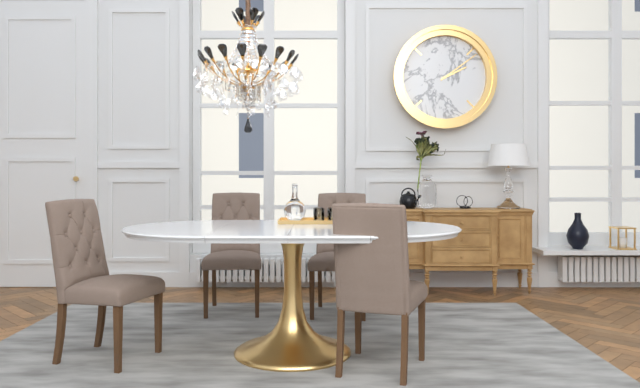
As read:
**2:09**
